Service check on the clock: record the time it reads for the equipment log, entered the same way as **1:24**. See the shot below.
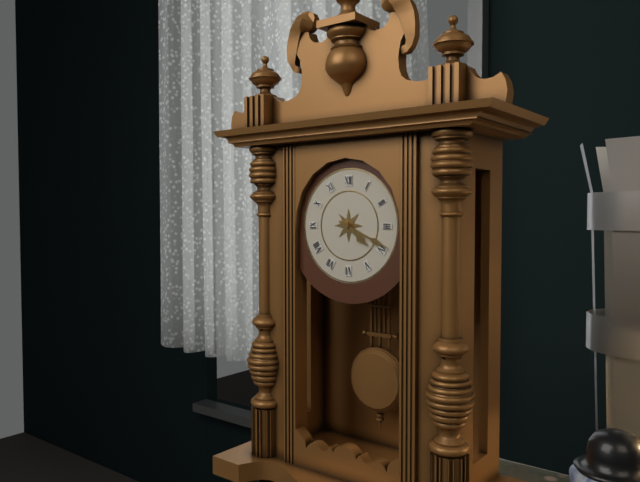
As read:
**4:19**
